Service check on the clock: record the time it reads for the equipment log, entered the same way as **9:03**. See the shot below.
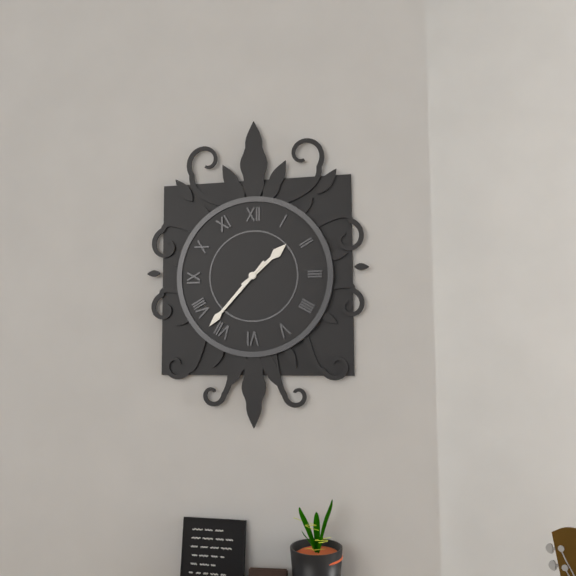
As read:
**1:37**
